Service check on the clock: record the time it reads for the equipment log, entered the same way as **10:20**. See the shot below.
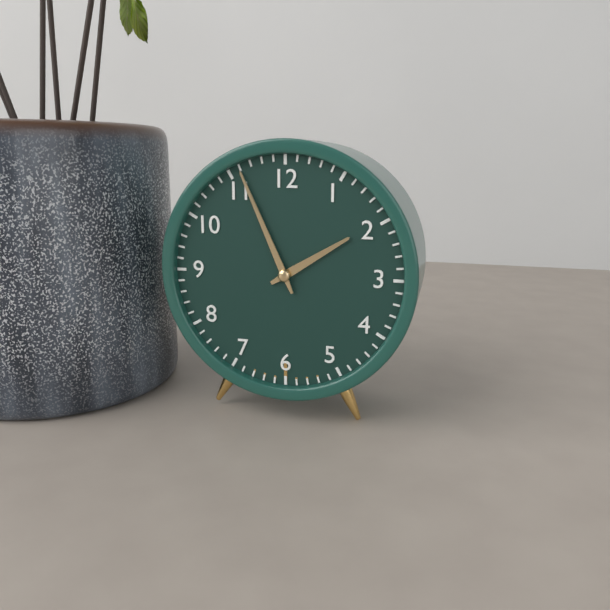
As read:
**1:56**
